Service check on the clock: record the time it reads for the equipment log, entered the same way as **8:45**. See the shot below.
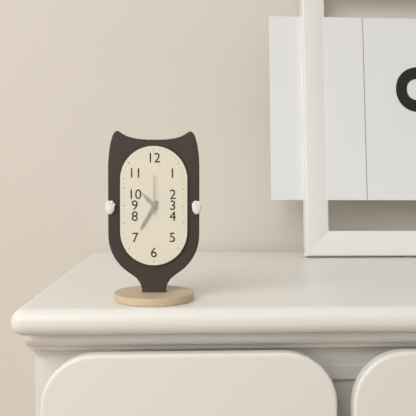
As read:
**10:35**
